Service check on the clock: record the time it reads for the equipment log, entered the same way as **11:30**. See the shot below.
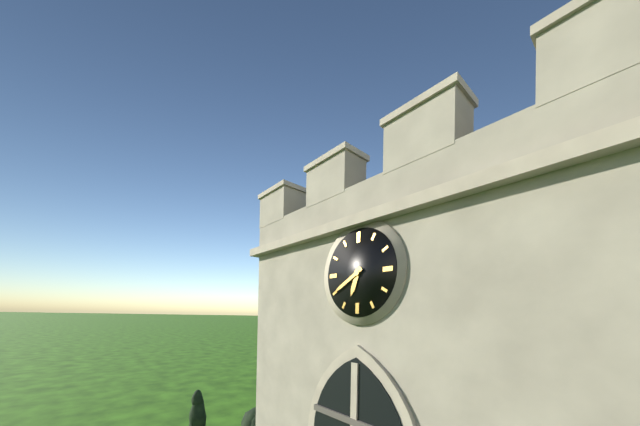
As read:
**6:40**
